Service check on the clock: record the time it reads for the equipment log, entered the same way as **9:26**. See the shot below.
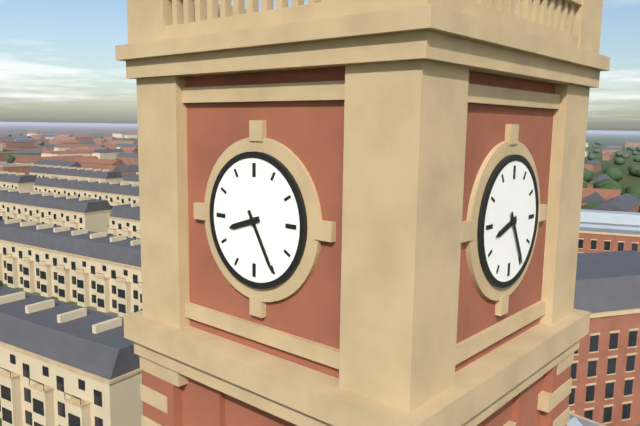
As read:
**8:25**
